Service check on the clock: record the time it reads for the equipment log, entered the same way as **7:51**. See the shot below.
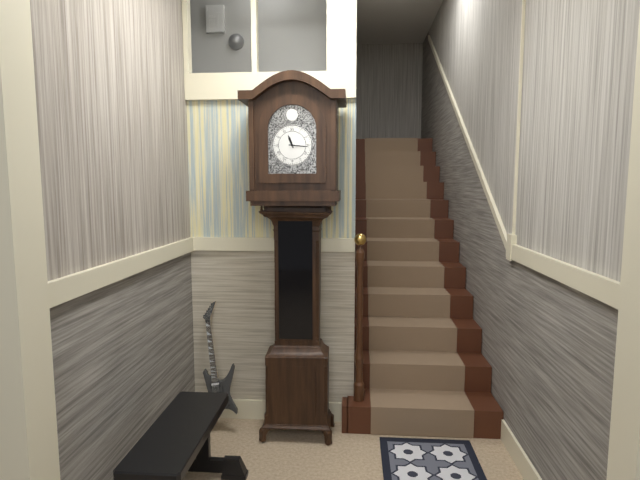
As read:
**11:16**
